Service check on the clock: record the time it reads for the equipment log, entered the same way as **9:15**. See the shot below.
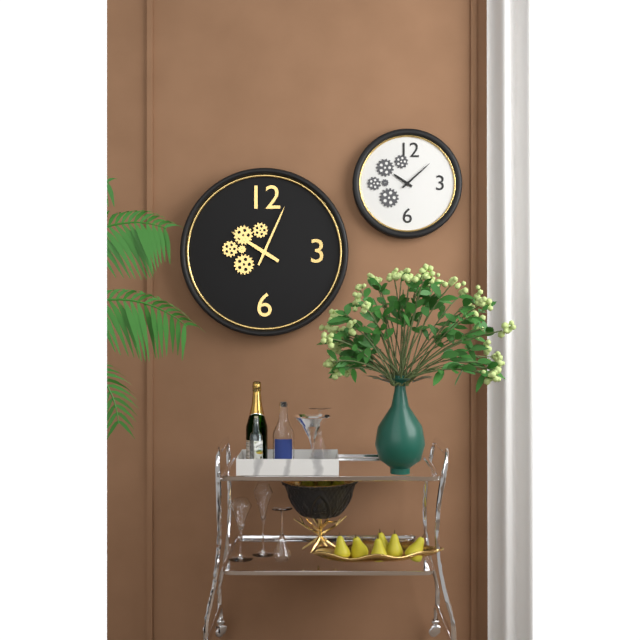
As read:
**10:04**
